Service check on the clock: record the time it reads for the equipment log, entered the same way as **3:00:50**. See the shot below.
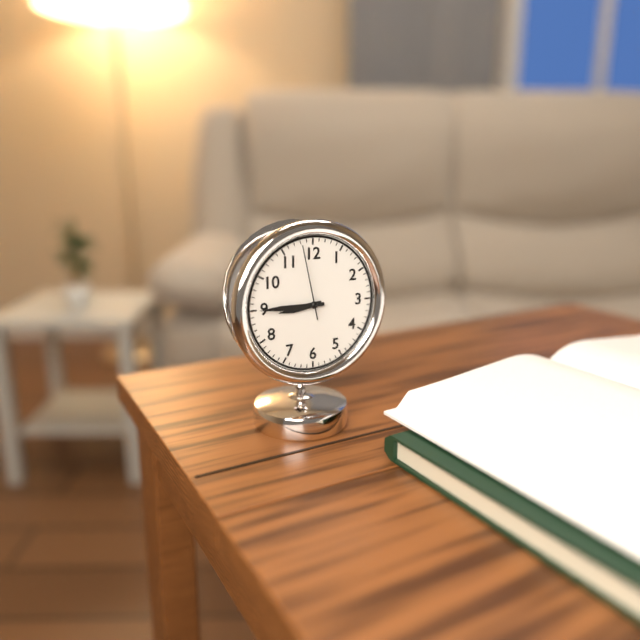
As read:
**8:45:58**
